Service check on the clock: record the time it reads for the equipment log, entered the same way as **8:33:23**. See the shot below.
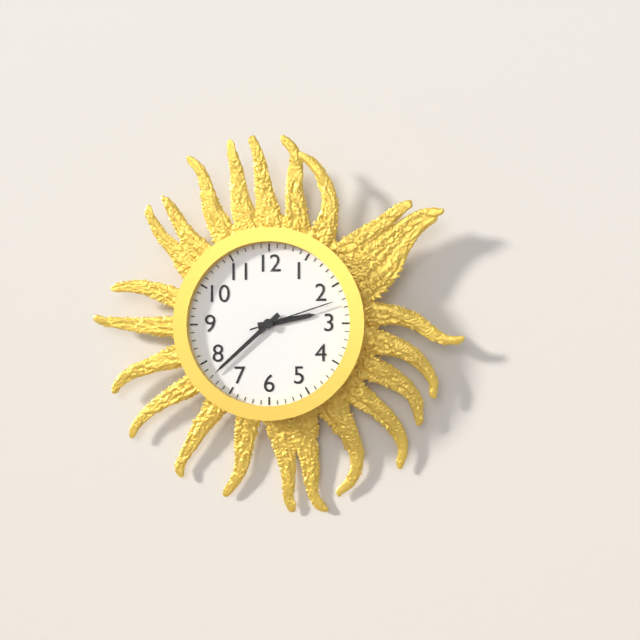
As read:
**2:38:12**
